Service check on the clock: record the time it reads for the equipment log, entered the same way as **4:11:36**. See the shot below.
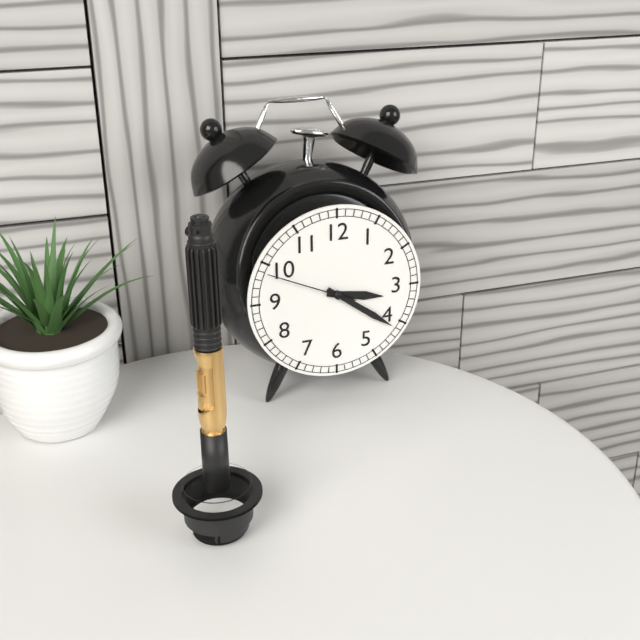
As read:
**3:21:49**
